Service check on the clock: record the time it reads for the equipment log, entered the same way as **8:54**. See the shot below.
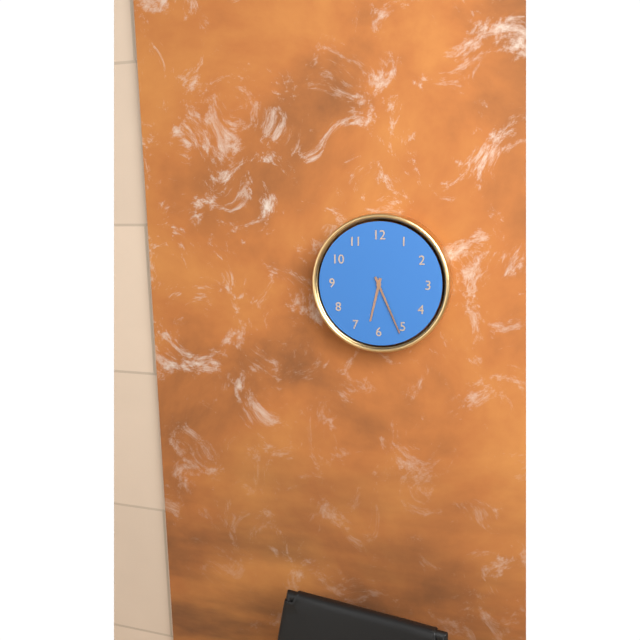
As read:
**6:26**
